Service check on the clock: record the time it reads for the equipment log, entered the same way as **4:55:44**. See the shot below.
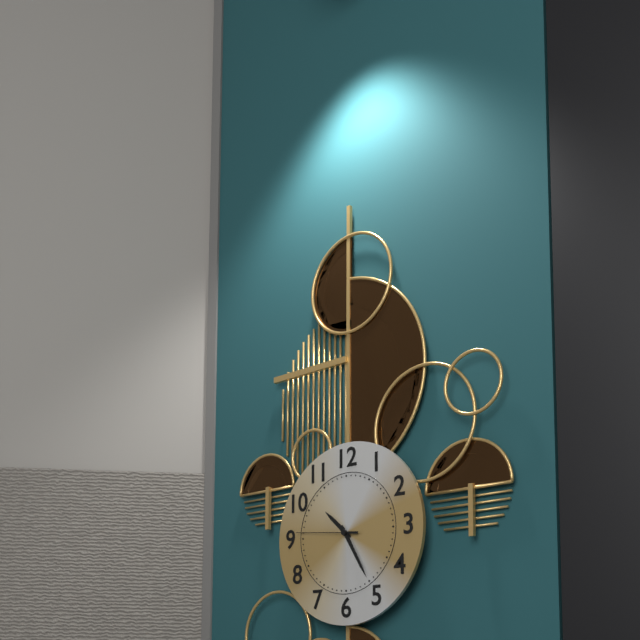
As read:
**10:25:46**
